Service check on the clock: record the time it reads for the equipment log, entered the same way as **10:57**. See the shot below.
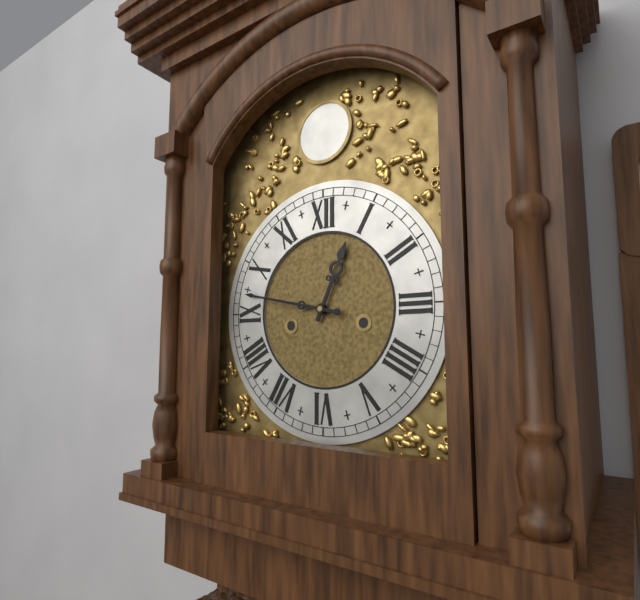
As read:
**12:47**
